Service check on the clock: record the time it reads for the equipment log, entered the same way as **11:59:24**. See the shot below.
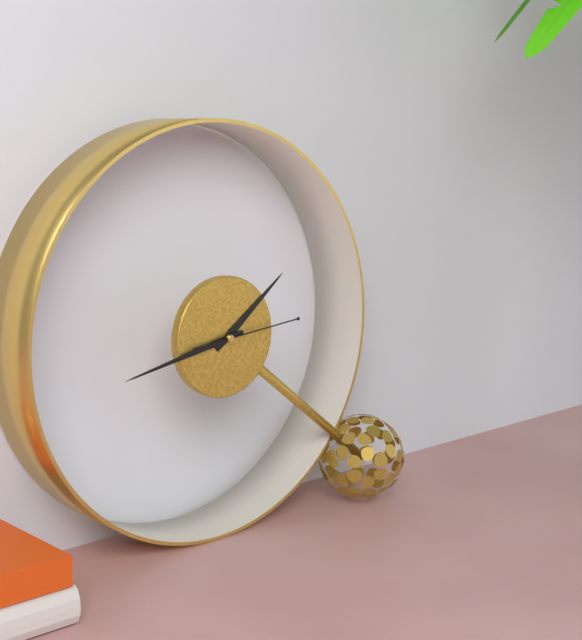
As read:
**1:43:14**
